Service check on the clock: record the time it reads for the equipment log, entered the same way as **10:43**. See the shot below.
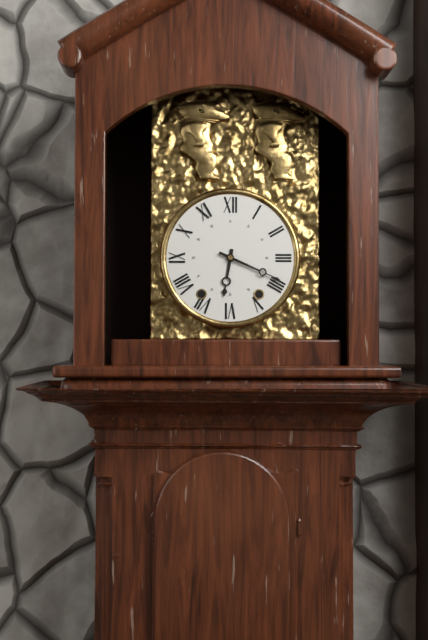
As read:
**6:19**
